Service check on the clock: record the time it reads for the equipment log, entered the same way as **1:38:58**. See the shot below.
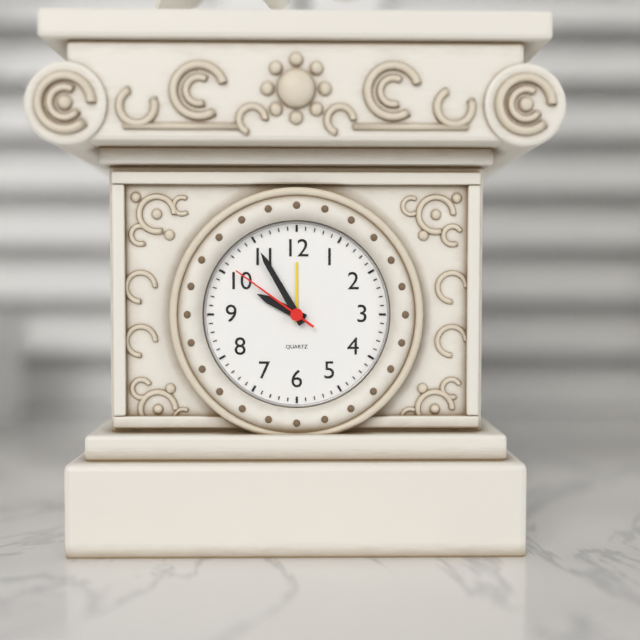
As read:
**9:55:51**
